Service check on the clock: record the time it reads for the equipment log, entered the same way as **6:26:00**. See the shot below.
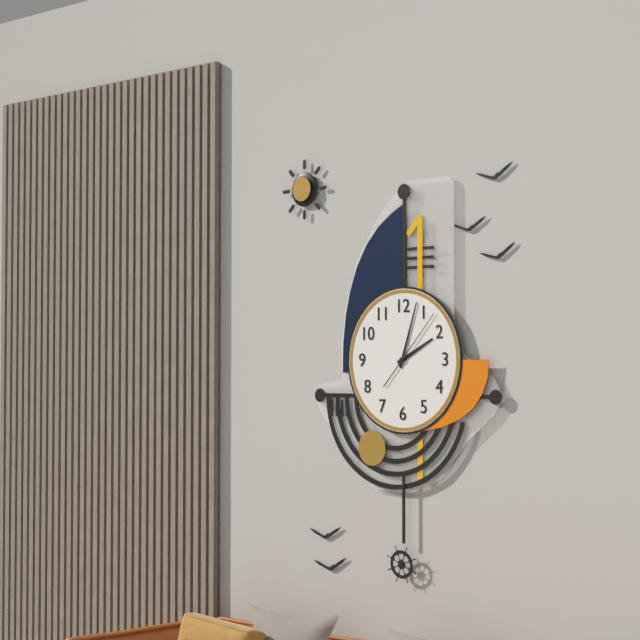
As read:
**2:03:07**
